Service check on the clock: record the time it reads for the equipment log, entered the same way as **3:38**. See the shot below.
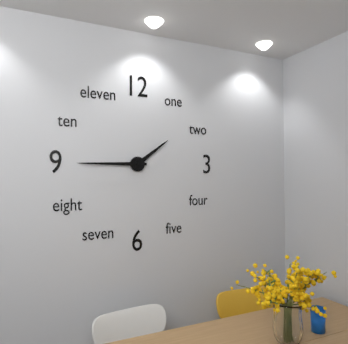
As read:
**1:45**
